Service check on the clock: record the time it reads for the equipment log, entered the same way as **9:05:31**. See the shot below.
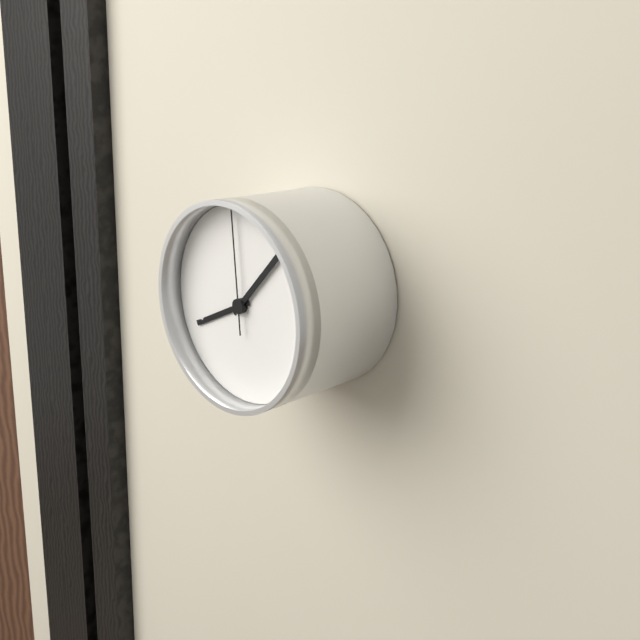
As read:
**8:07:59**
